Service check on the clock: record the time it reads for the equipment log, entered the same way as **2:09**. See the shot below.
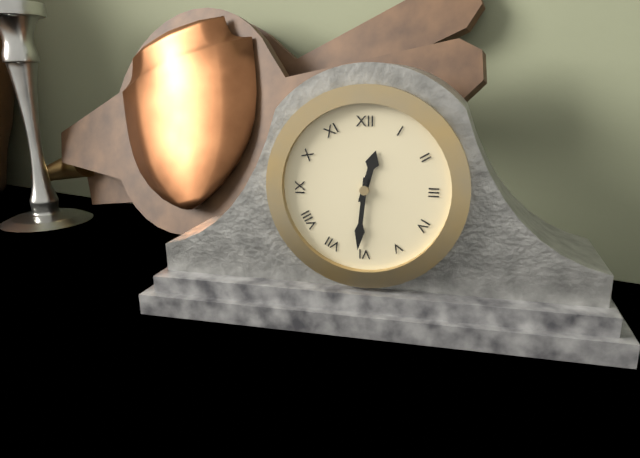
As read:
**12:31**
